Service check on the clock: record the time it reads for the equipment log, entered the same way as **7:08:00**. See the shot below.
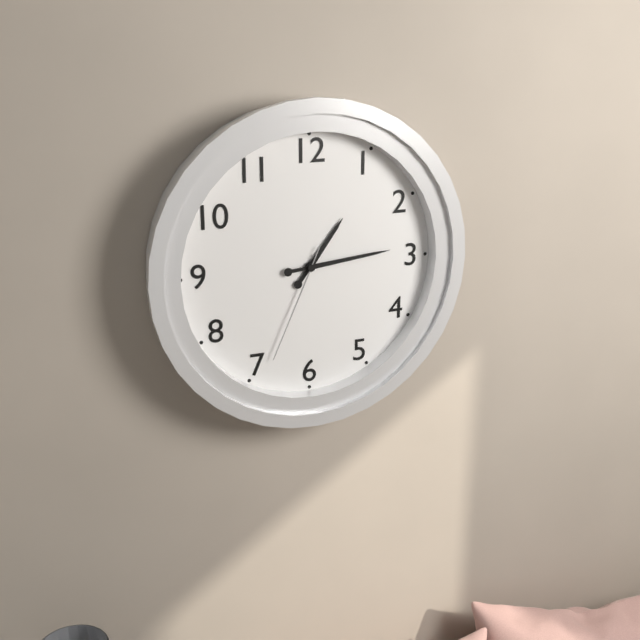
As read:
**1:14:34**
